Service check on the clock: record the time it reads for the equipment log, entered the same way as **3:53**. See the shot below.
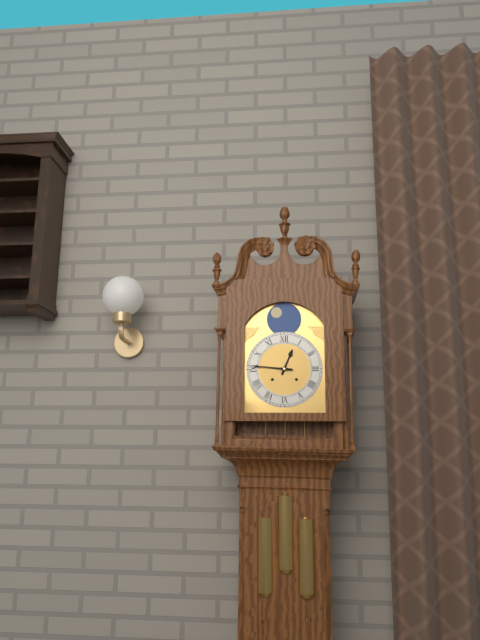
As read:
**12:46**
